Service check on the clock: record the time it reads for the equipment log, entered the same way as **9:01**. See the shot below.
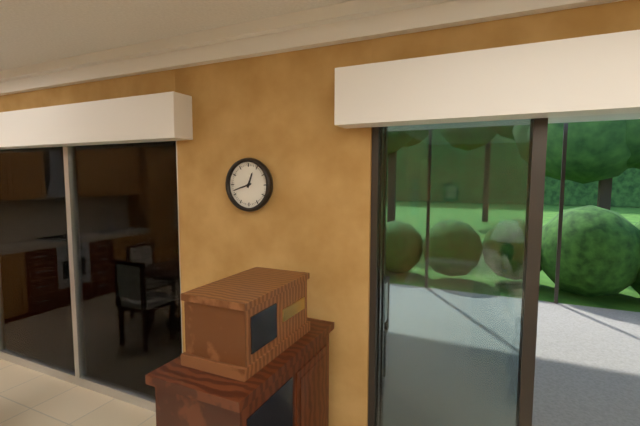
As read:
**12:42**
